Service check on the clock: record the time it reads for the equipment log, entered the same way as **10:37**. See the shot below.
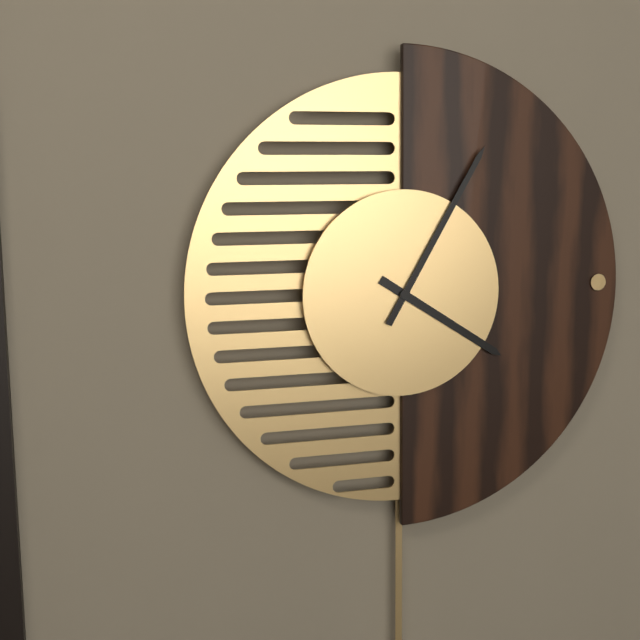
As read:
**4:05**
